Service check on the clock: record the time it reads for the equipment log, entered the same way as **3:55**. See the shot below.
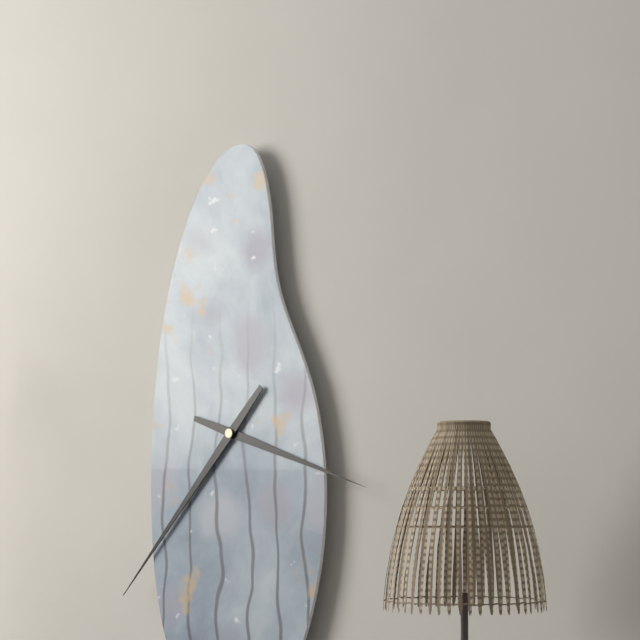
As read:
**3:37**
